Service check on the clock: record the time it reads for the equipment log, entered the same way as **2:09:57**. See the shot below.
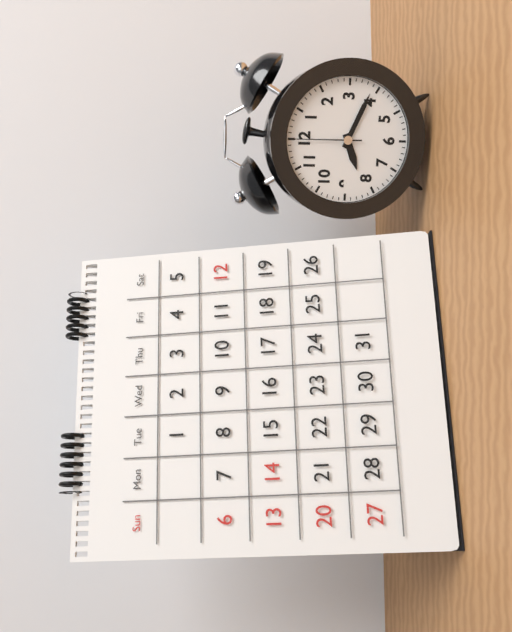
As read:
**8:19:00**
